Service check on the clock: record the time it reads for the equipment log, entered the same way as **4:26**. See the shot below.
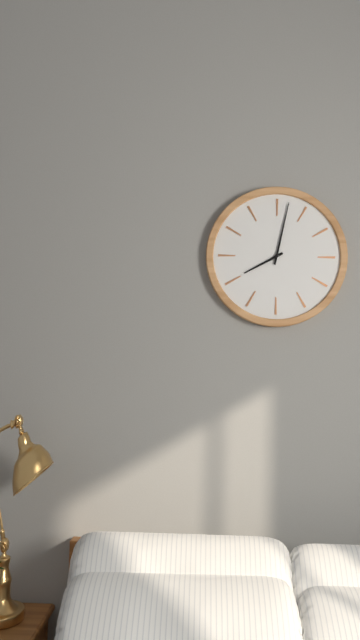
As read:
**8:02**
